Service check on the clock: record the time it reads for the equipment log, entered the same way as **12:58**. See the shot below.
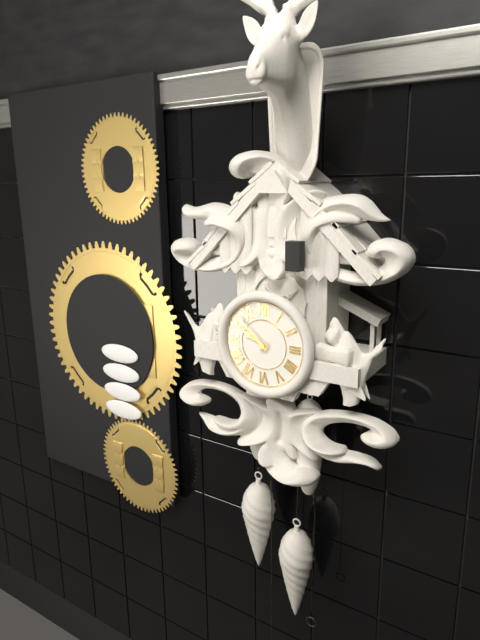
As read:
**9:52**
